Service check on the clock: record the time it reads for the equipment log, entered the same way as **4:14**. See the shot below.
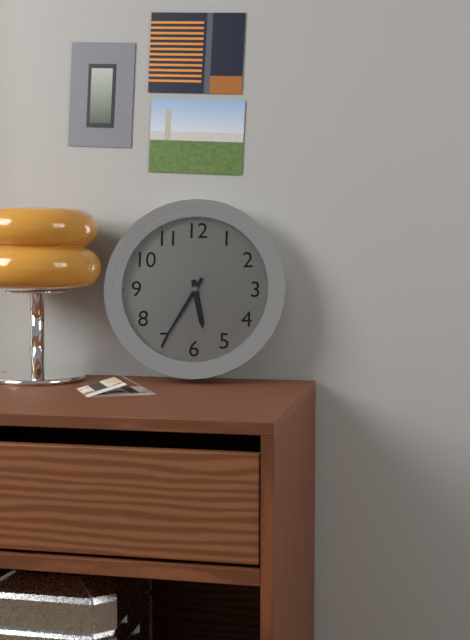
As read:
**5:35**
